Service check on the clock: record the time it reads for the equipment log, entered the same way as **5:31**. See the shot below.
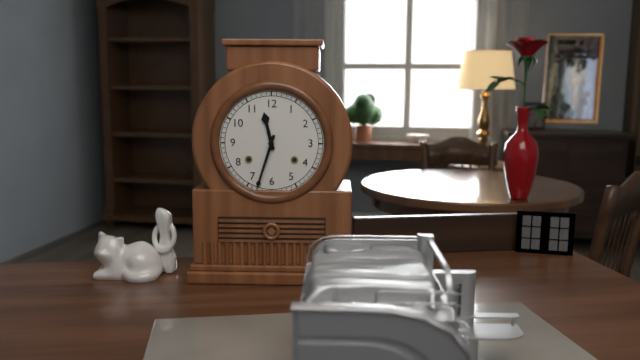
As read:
**11:33**
